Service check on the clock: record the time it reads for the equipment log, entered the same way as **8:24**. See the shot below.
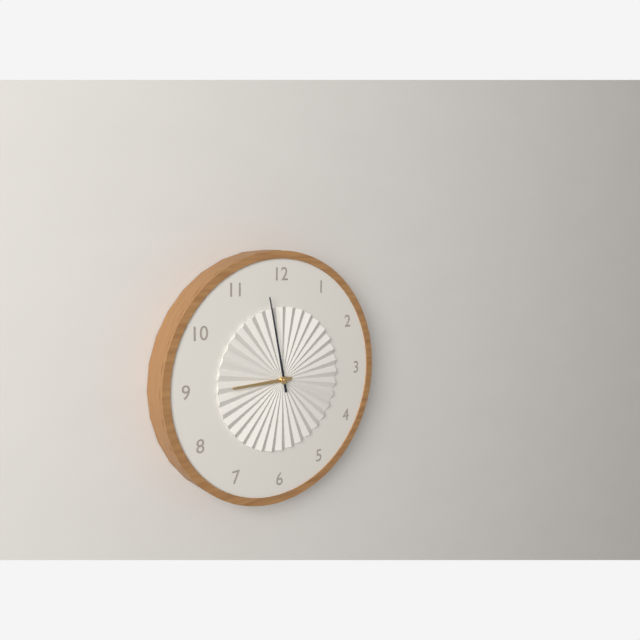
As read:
**8:58**
